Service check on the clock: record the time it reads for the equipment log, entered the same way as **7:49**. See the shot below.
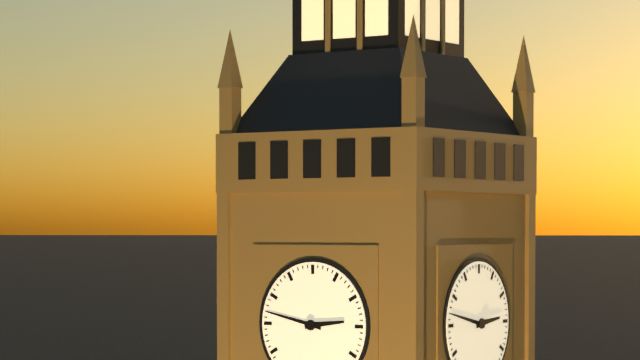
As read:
**2:47**
